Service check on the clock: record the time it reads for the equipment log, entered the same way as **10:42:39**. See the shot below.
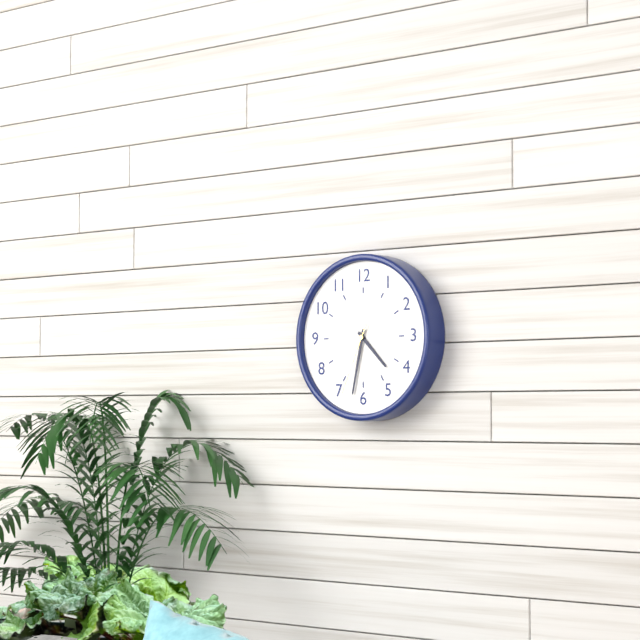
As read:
**4:32:34**
